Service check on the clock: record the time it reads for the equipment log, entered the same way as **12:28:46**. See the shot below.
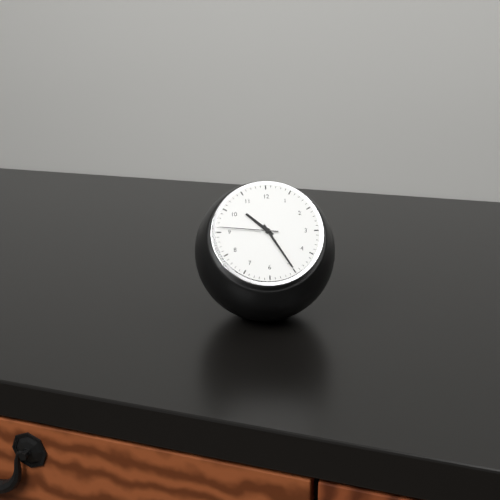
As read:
**10:25:46**
